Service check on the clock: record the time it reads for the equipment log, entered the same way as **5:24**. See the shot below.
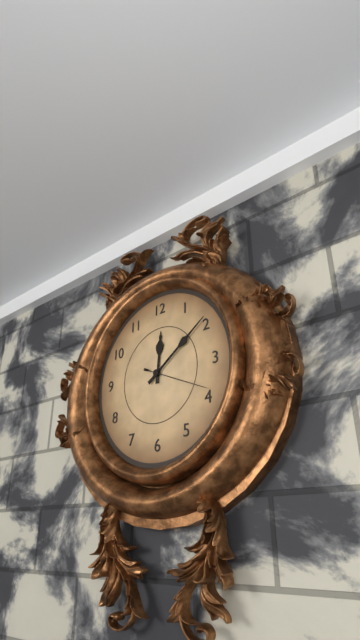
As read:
**12:09**
